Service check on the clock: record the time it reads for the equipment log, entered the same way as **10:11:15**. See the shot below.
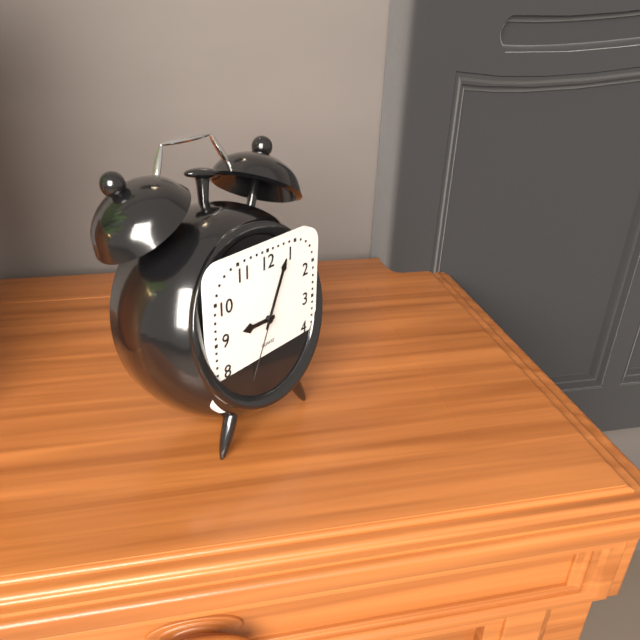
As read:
**9:04:34**
